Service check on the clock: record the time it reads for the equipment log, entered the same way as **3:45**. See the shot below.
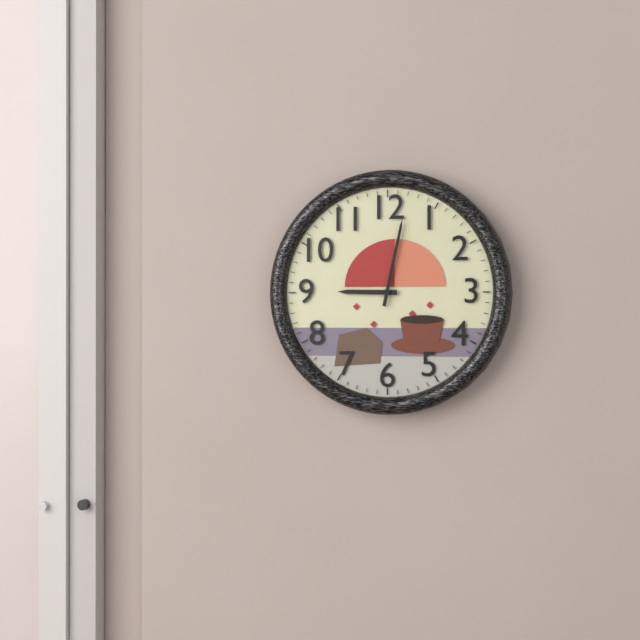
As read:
**9:02**
